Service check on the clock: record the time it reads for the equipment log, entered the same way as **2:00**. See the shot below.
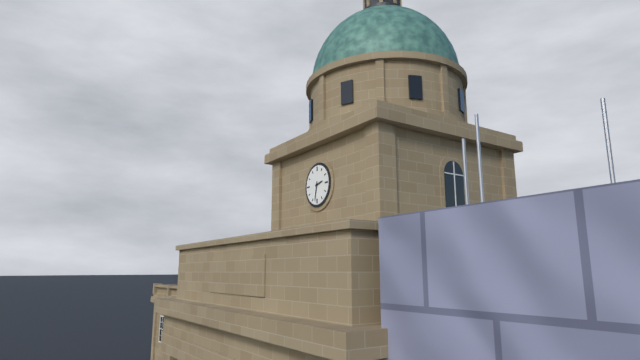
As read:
**2:32**
